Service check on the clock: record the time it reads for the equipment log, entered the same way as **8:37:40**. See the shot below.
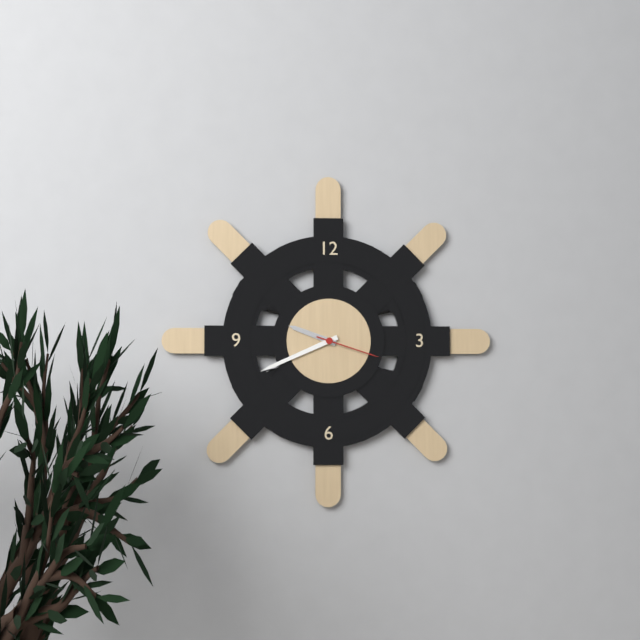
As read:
**9:41:18**
